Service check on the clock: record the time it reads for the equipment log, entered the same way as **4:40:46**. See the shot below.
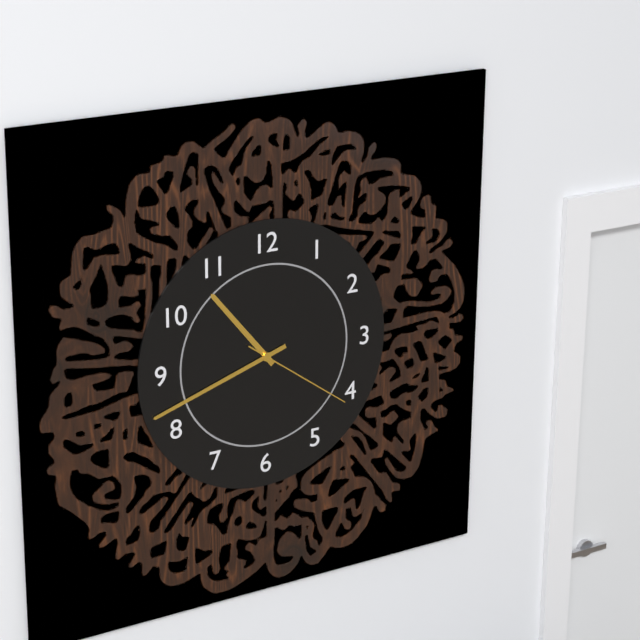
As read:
**10:42:21**
